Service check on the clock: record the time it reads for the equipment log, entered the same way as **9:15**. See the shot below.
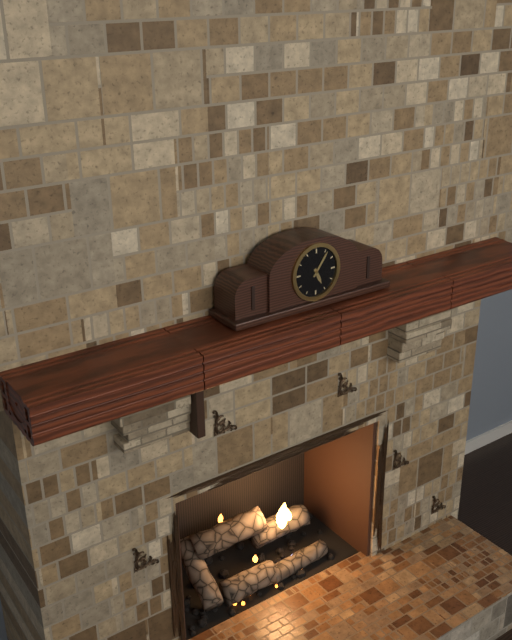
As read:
**5:06**
